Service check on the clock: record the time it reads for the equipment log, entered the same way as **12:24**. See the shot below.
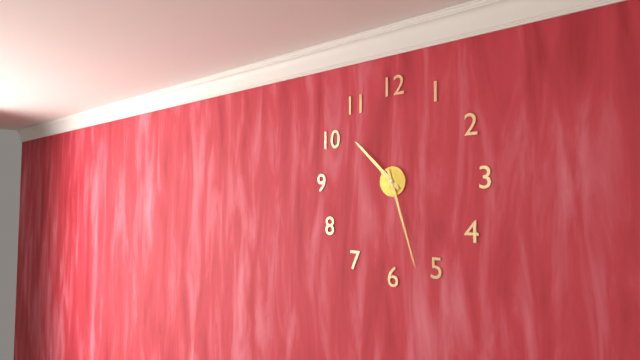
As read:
**10:27**
